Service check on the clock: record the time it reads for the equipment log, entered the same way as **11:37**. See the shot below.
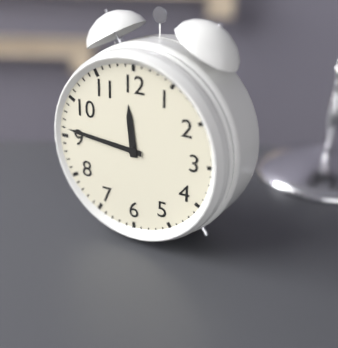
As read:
**11:46**
